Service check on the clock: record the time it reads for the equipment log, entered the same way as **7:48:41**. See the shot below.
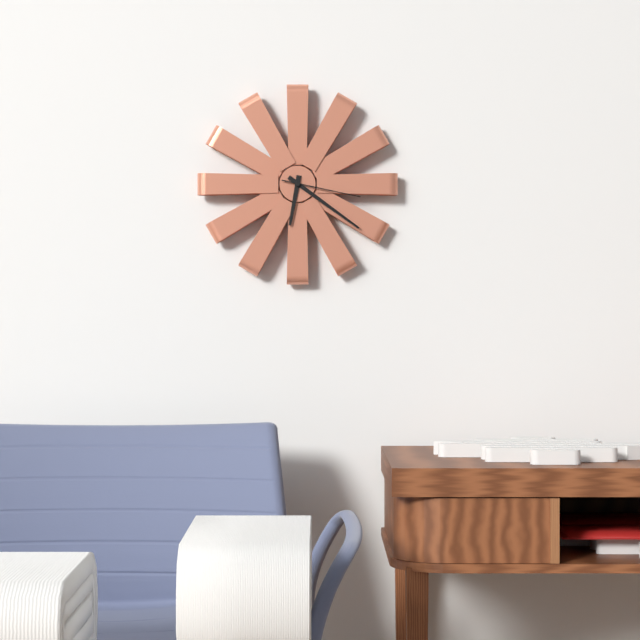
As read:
**6:21:17**
